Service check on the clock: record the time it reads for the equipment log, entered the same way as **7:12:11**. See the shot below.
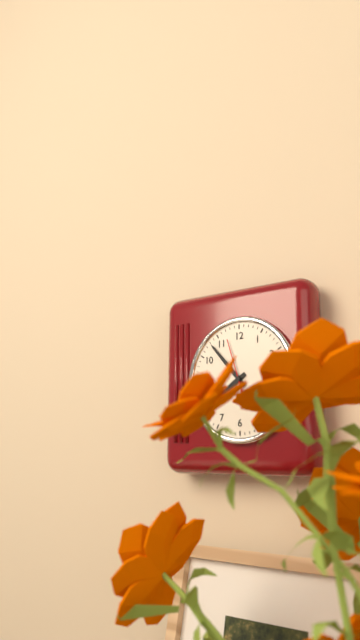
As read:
**7:53:57**
